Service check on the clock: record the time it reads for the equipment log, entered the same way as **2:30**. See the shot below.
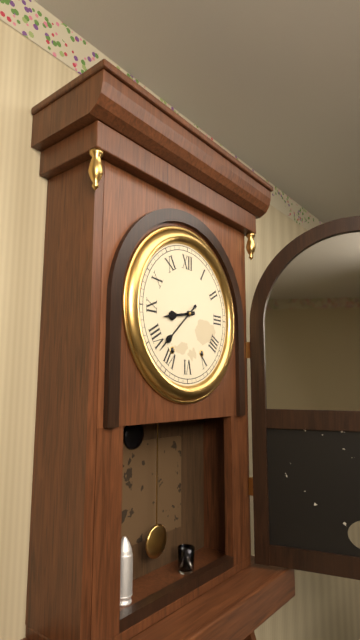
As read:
**8:38**
